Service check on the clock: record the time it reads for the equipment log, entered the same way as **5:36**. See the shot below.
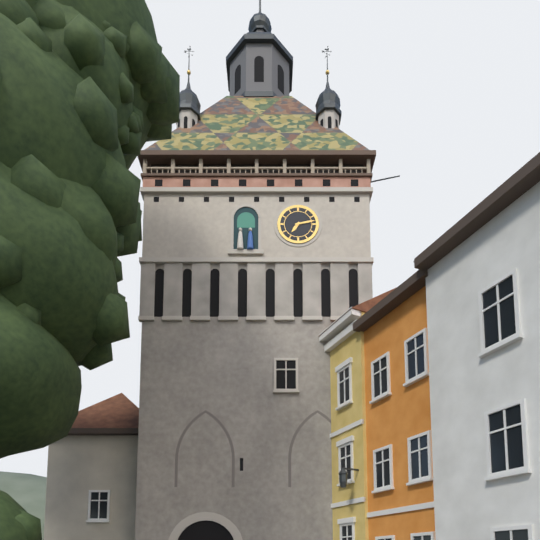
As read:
**7:13**
